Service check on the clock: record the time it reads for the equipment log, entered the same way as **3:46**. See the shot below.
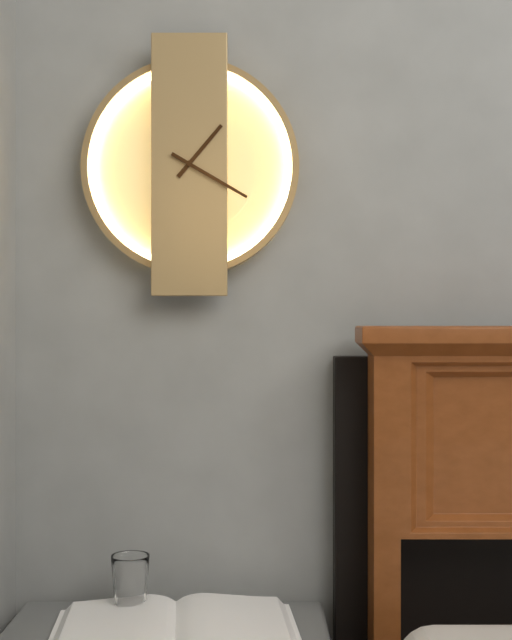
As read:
**1:20**
